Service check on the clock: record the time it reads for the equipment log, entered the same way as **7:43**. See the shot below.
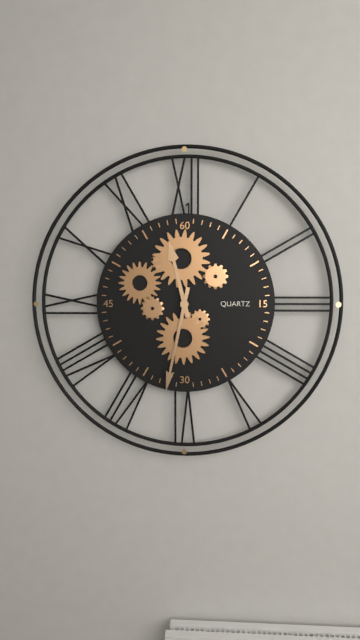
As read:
**11:32**
